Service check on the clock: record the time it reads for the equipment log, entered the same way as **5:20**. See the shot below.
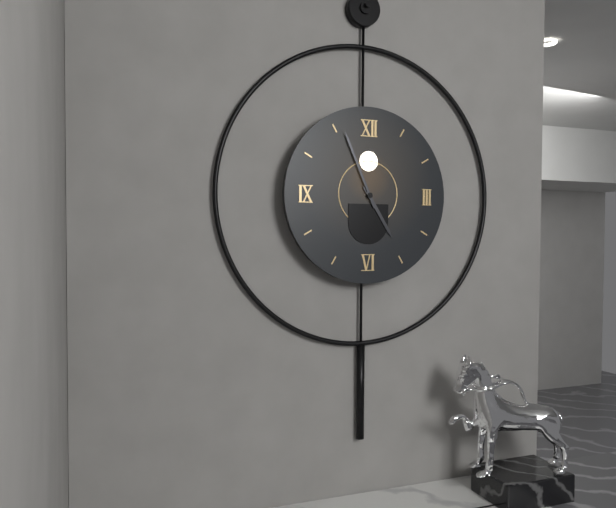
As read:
**4:56**
